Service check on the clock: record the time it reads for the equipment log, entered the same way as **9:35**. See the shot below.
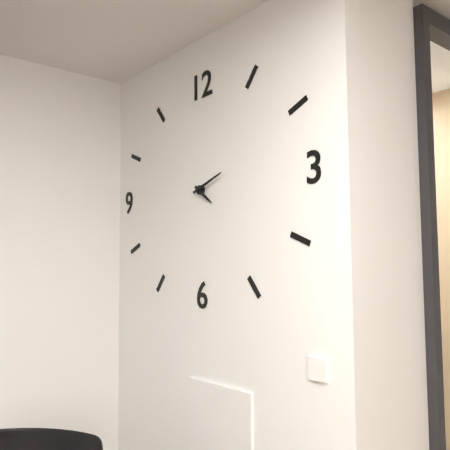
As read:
**4:12**
